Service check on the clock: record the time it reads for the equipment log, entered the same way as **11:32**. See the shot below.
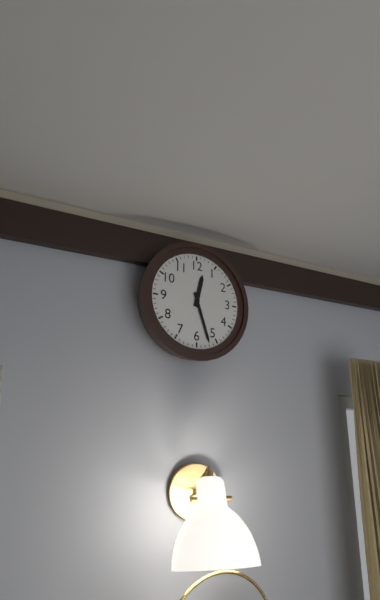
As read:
**12:27**
